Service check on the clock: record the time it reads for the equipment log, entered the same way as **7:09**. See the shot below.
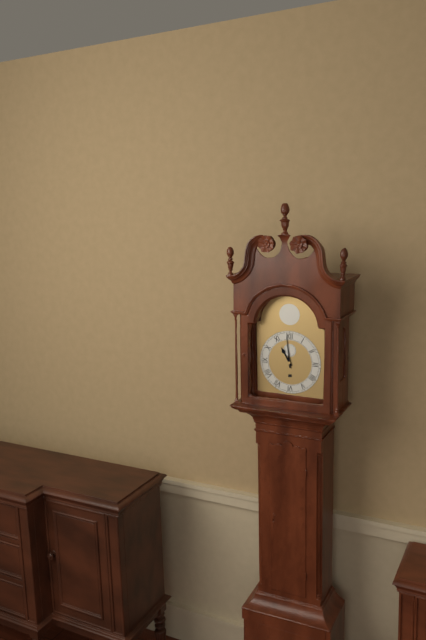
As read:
**10:59**
